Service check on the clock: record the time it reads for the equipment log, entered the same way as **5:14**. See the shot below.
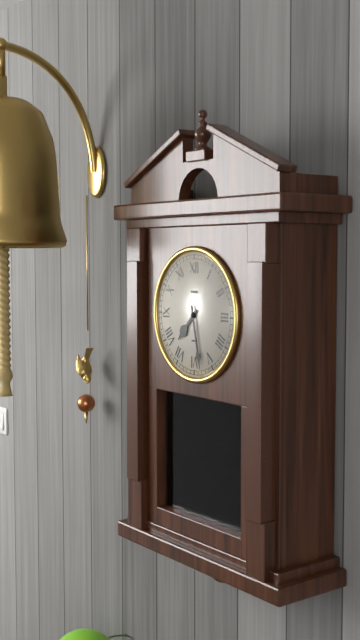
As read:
**7:28**
